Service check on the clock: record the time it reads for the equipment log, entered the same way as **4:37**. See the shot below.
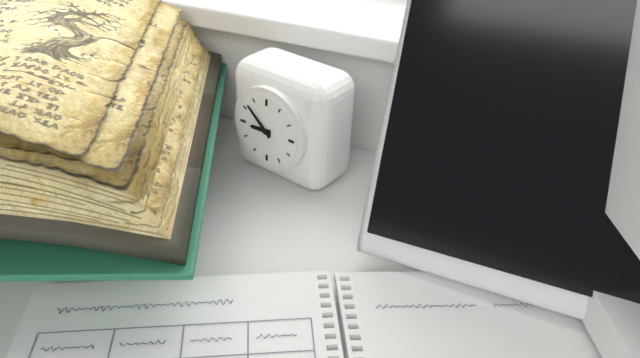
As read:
**8:52**
